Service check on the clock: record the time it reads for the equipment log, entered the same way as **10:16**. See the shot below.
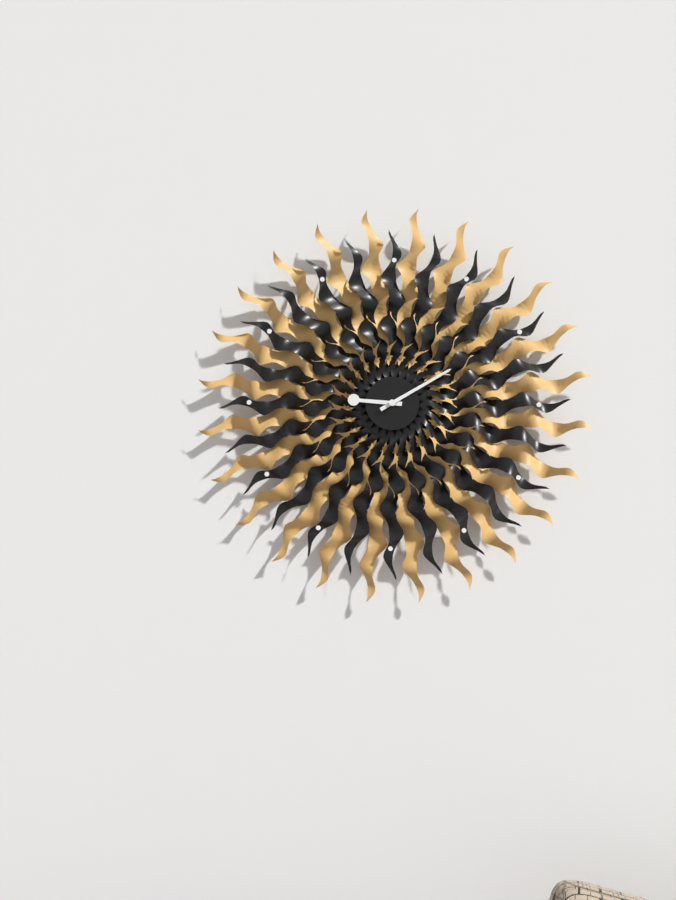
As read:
**9:10**
